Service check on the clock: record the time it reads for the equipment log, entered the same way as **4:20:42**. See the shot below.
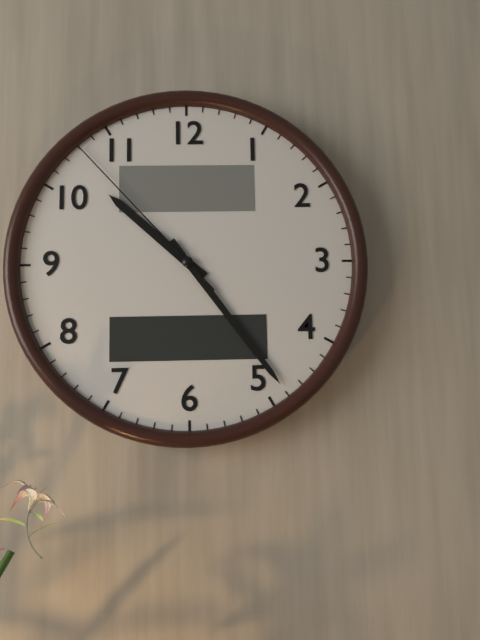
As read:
**10:24:53**
